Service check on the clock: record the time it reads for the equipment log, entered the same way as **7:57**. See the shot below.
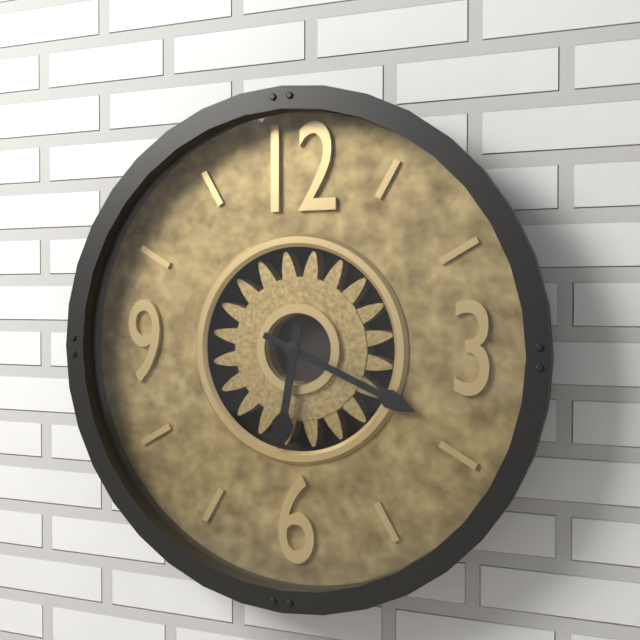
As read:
**6:19**
